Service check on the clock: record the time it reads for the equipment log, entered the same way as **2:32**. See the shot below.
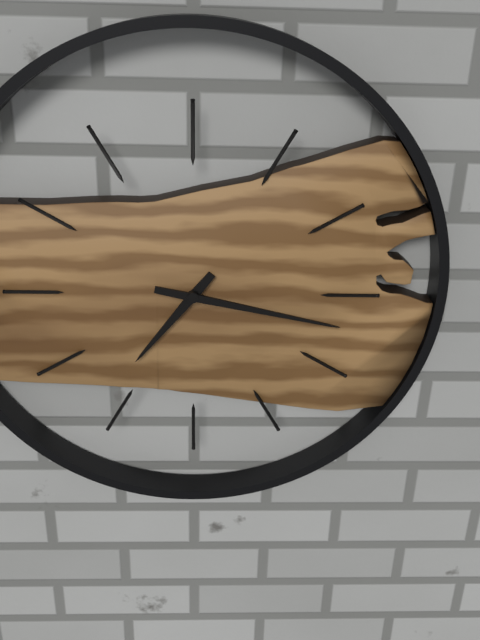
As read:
**7:17**
